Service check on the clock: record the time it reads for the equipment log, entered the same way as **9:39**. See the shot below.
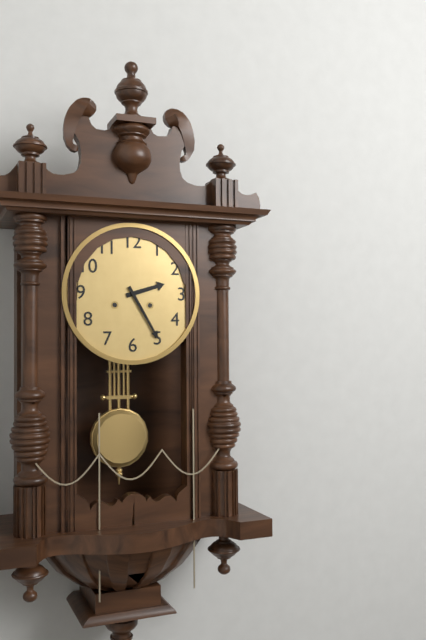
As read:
**2:25**
